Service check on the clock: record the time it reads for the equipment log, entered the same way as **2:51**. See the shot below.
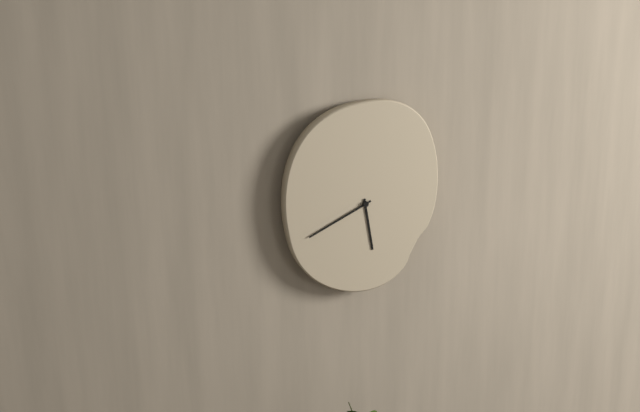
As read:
**5:41**
